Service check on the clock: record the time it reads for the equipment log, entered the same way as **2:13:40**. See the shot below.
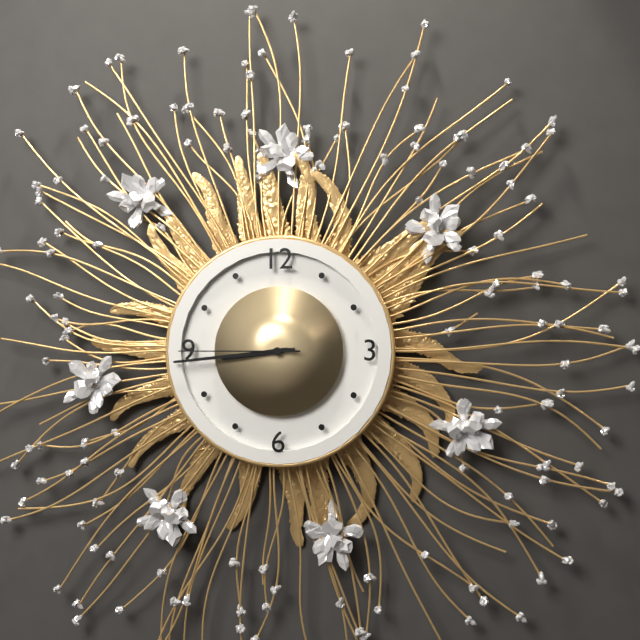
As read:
**8:44:45**
